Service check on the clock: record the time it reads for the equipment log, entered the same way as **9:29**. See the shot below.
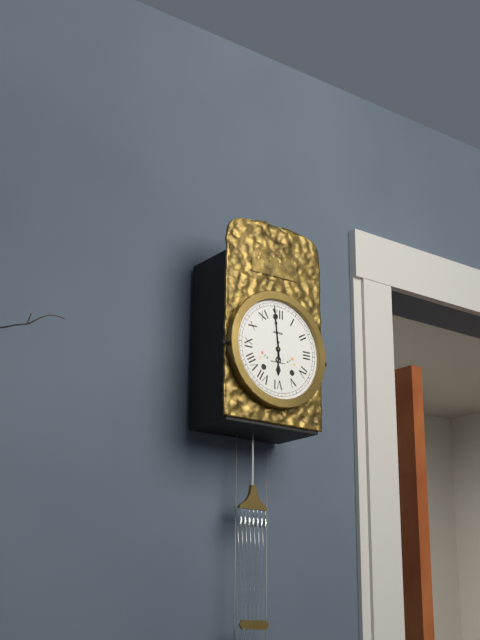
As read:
**5:59**
